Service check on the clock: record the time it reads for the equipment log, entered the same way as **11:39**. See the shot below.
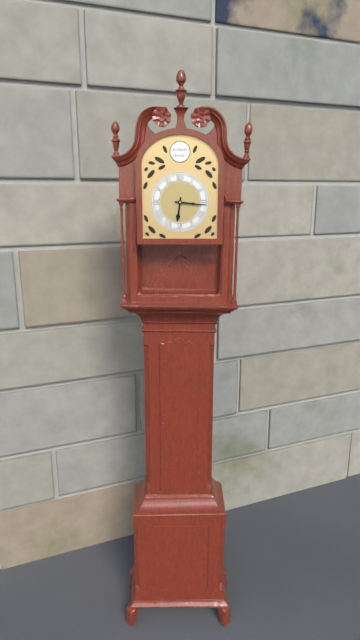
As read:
**6:16**
